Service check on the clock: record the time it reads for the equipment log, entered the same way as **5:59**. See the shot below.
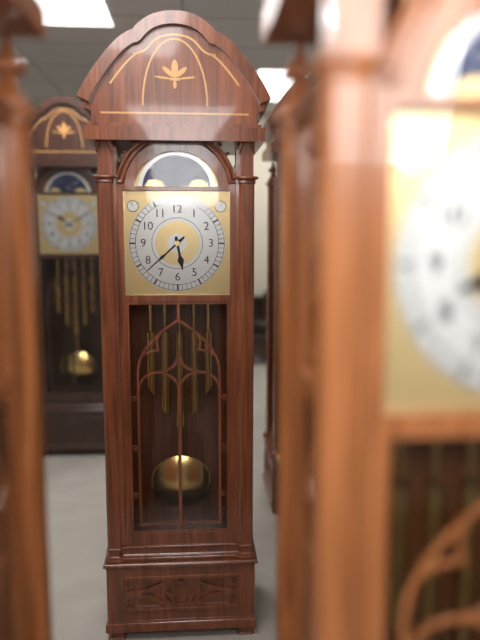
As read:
**5:38**
